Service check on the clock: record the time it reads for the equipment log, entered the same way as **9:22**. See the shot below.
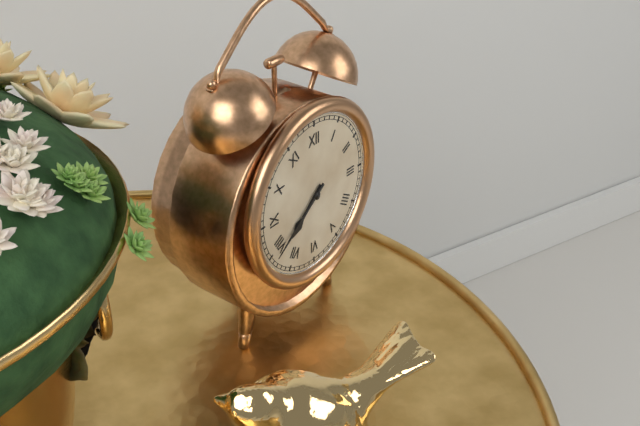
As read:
**7:39**
